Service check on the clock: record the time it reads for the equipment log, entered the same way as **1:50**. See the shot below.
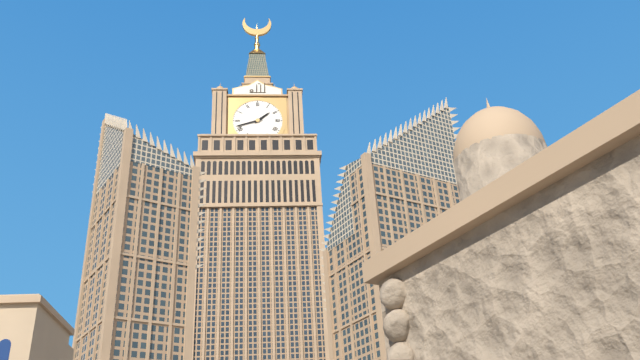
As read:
**1:42**
